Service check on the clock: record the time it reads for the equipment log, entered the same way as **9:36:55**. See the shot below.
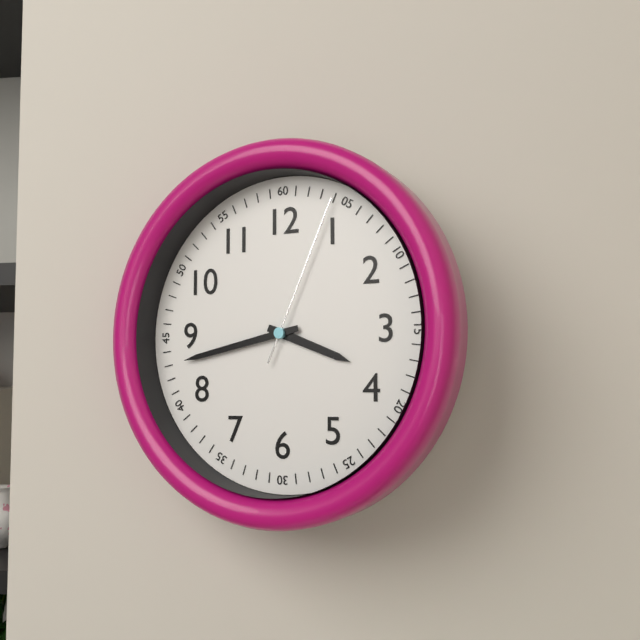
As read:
**3:43:04**
